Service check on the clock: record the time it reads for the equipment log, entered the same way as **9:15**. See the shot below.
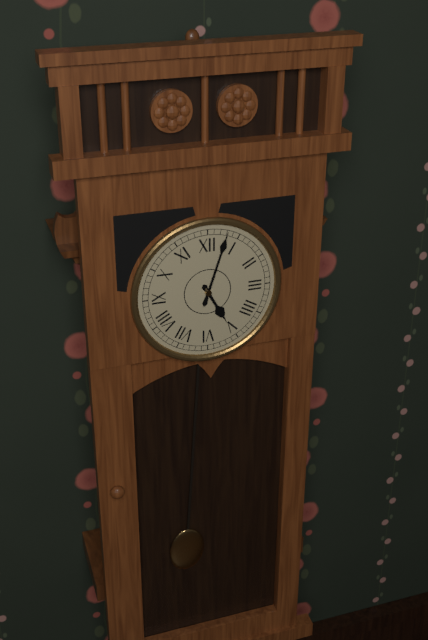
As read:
**5:03**
